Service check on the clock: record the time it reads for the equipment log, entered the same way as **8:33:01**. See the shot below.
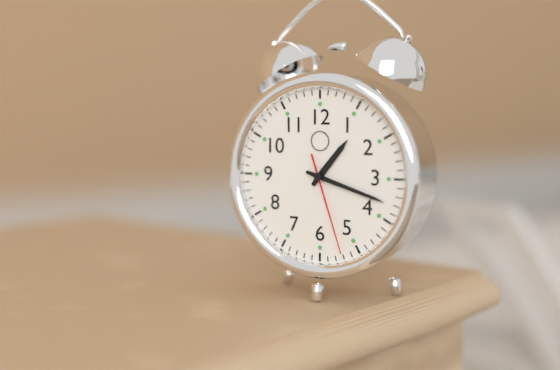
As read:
**1:18:27**
